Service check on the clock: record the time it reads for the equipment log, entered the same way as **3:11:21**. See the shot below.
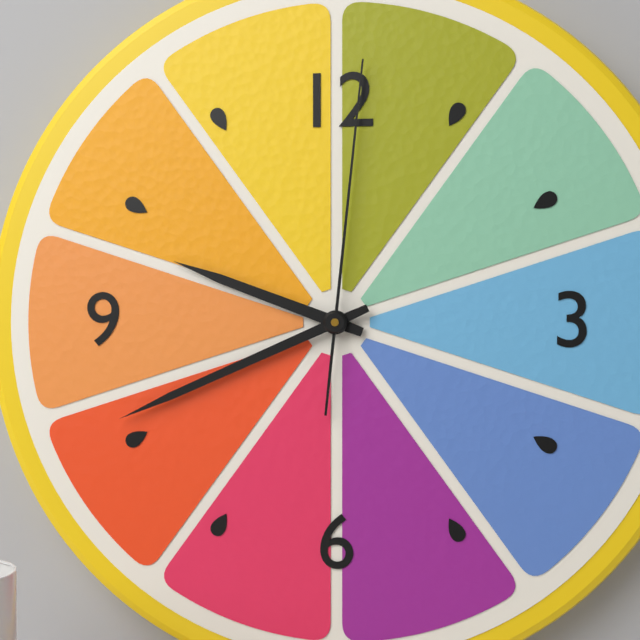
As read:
**9:41:01**
